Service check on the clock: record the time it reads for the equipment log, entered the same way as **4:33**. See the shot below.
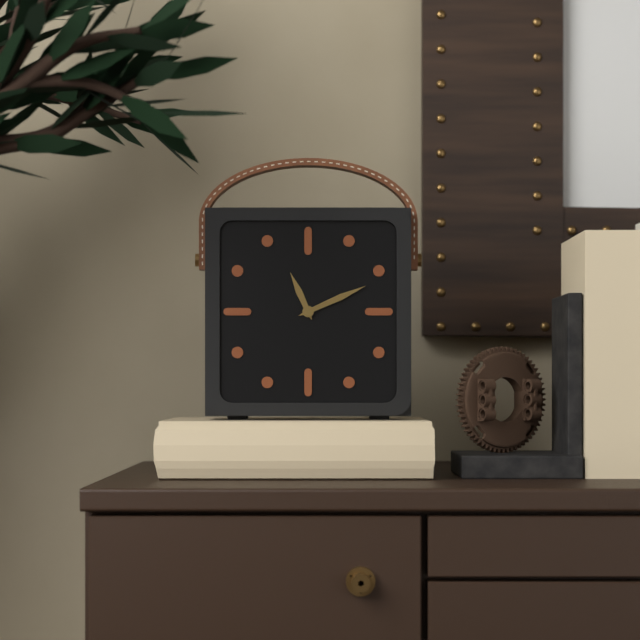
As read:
**11:11**
